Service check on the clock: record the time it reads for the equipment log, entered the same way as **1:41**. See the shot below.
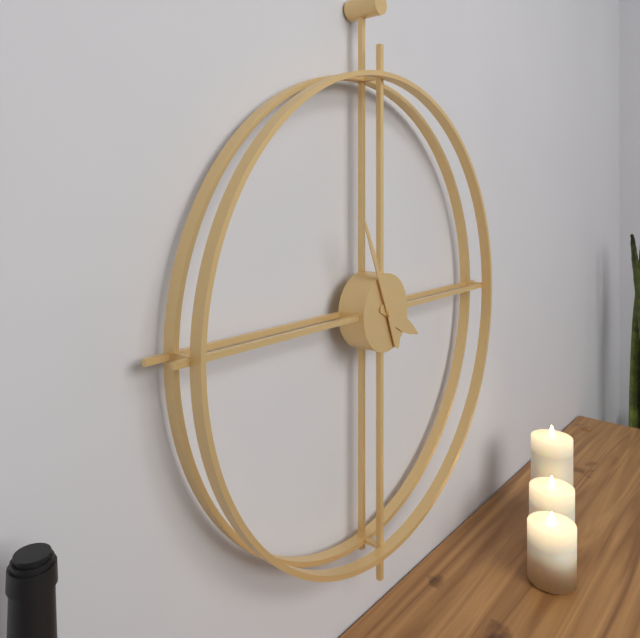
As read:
**3:56**
